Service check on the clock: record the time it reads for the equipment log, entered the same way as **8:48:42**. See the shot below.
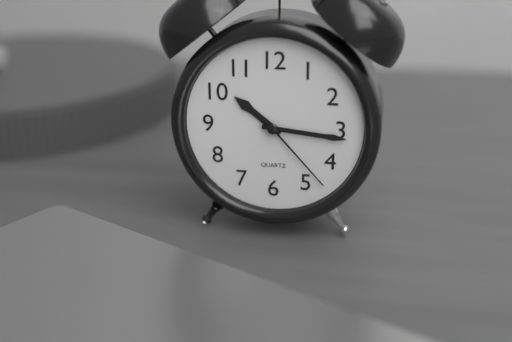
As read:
**10:16:23**
